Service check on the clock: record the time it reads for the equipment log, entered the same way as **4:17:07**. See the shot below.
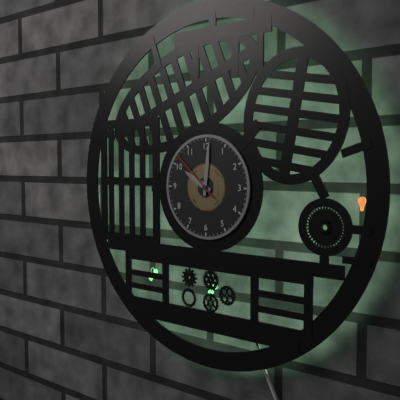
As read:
**10:01:52**
